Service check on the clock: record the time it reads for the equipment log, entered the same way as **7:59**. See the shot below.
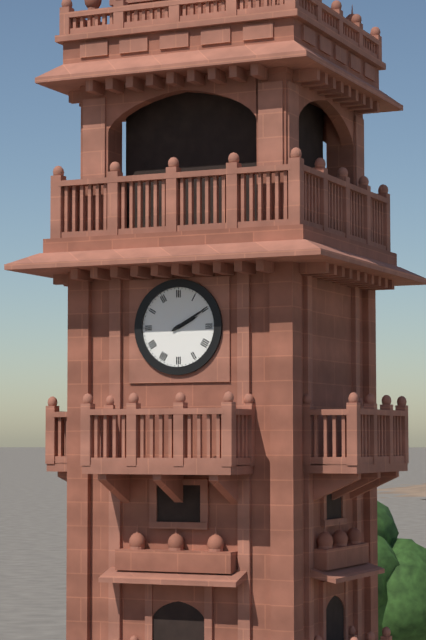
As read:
**2:10**
